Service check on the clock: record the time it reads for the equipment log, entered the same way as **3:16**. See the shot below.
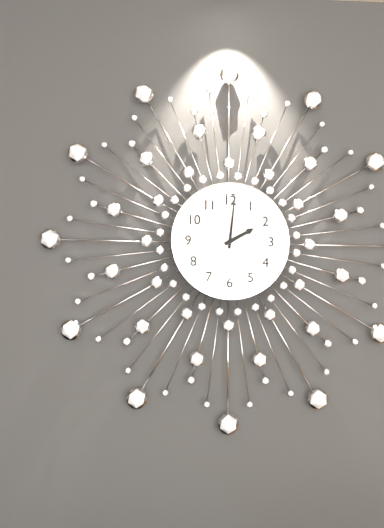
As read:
**2:01**
